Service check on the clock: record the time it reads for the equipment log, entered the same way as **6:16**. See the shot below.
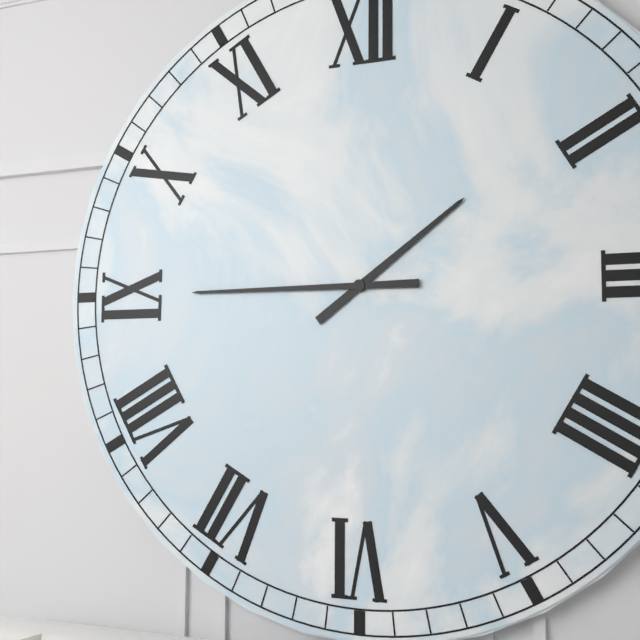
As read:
**1:45**
